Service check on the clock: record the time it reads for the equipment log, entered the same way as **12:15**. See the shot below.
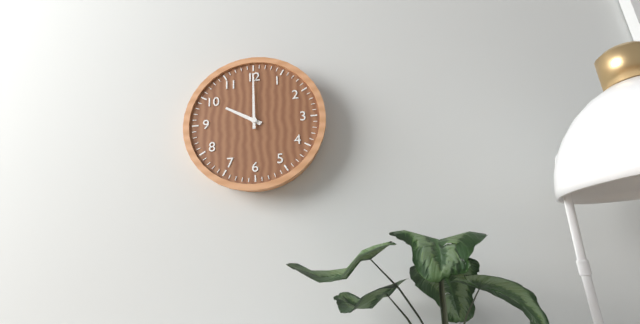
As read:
**10:00**
